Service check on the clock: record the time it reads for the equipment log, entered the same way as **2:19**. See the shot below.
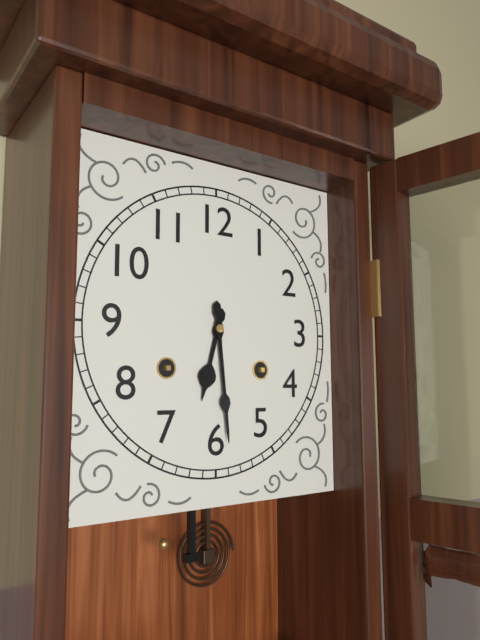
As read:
**6:29**
